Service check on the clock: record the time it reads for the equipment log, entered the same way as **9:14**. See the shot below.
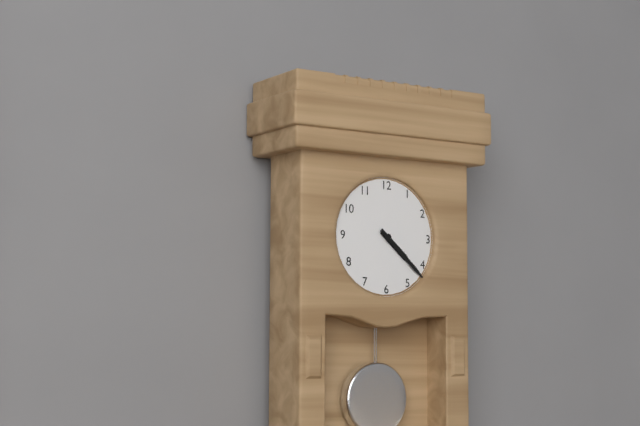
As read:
**4:22**
